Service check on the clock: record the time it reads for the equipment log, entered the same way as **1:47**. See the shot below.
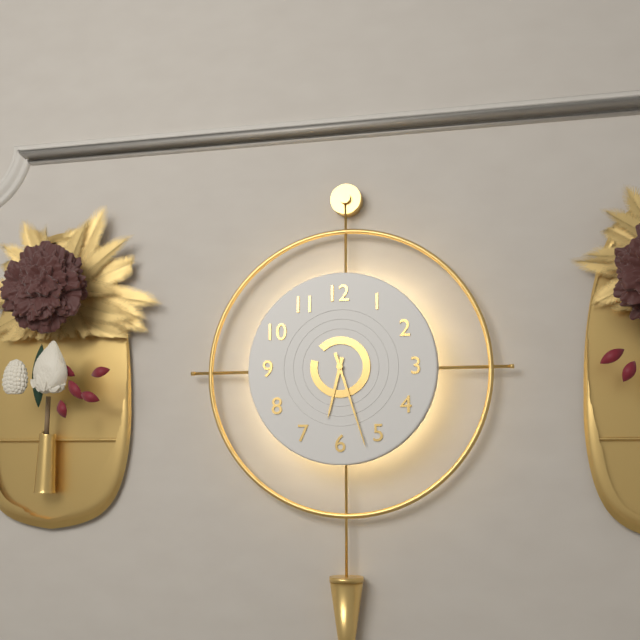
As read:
**6:27**
